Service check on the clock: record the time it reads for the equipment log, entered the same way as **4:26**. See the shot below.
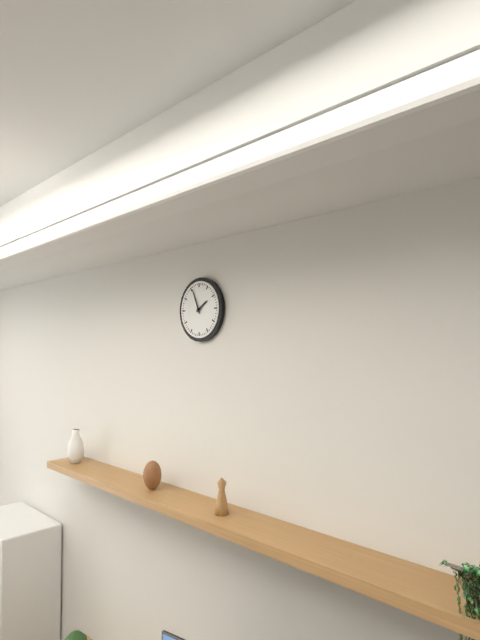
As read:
**1:56**
